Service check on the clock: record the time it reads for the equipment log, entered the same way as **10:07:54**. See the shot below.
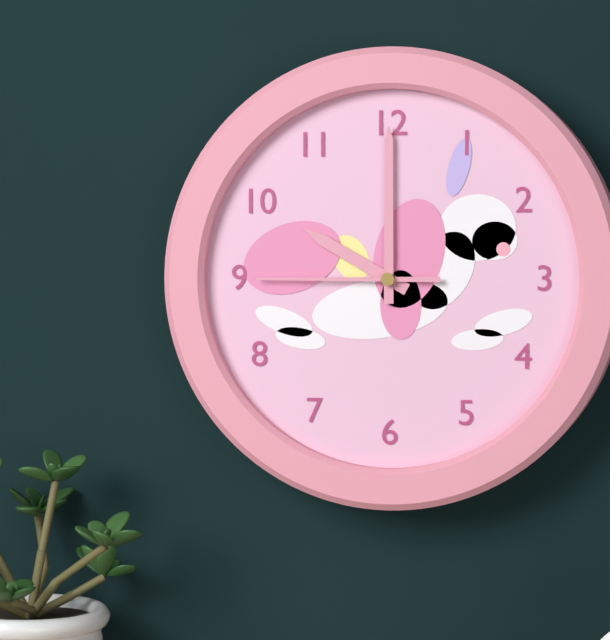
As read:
**10:00:45**
